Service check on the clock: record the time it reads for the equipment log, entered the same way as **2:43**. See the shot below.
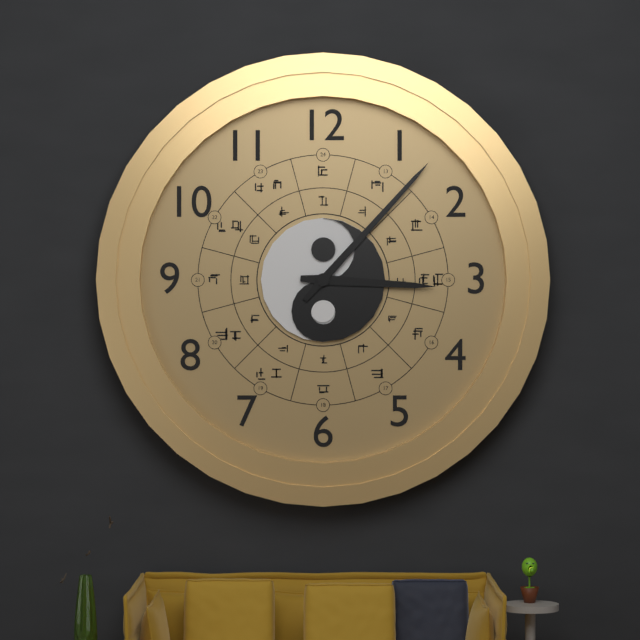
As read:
**3:07**
